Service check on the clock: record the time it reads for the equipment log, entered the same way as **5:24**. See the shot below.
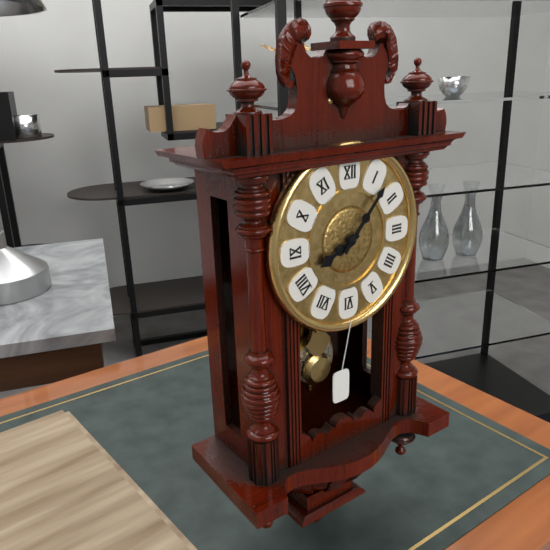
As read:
**8:07**
